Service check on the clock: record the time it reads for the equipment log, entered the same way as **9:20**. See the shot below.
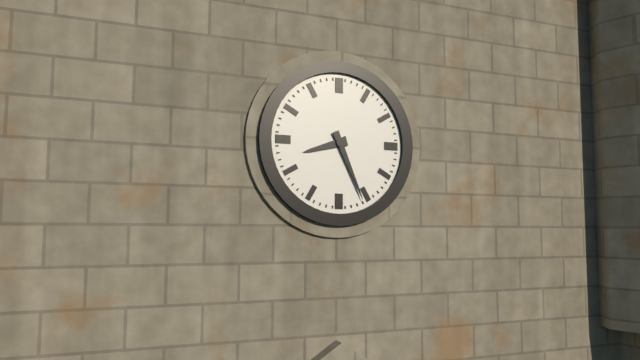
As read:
**8:26**
